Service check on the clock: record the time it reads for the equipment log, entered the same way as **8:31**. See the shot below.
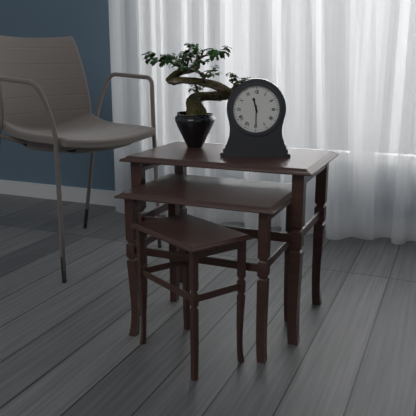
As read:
**11:30**
